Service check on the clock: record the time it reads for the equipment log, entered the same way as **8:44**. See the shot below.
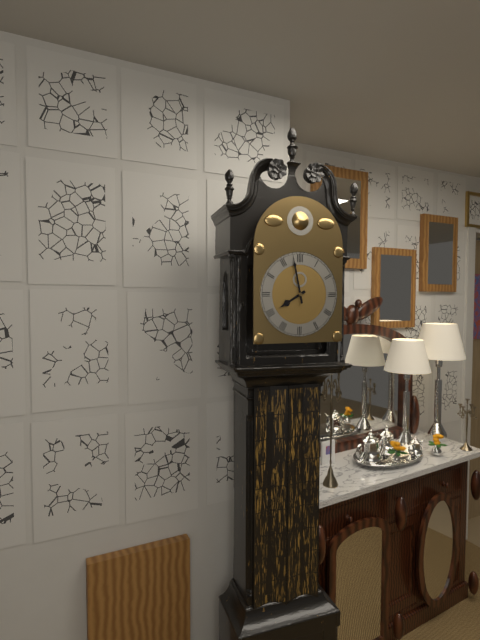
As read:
**7:58**
